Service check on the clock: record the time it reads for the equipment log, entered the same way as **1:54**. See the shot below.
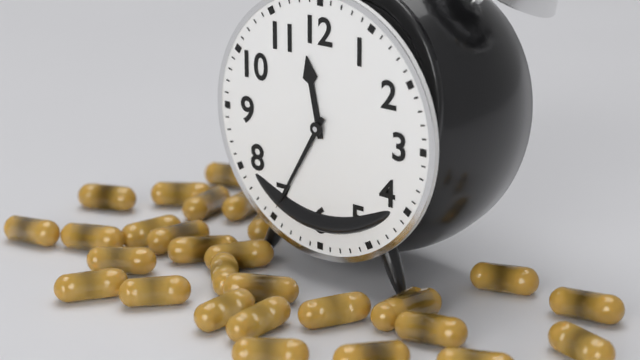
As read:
**11:35**
